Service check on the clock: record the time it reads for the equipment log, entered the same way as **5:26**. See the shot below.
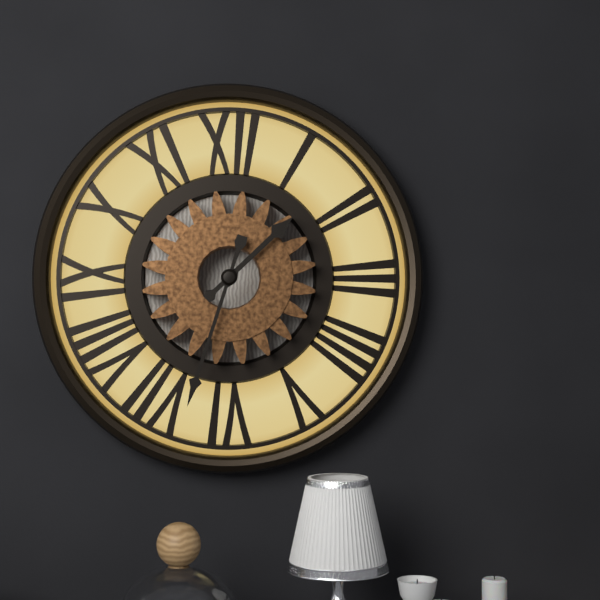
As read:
**1:33**
